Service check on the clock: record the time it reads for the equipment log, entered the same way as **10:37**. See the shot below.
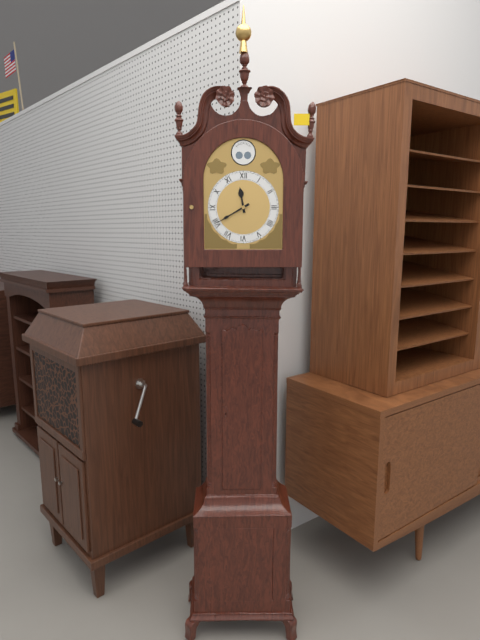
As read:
**11:40**
